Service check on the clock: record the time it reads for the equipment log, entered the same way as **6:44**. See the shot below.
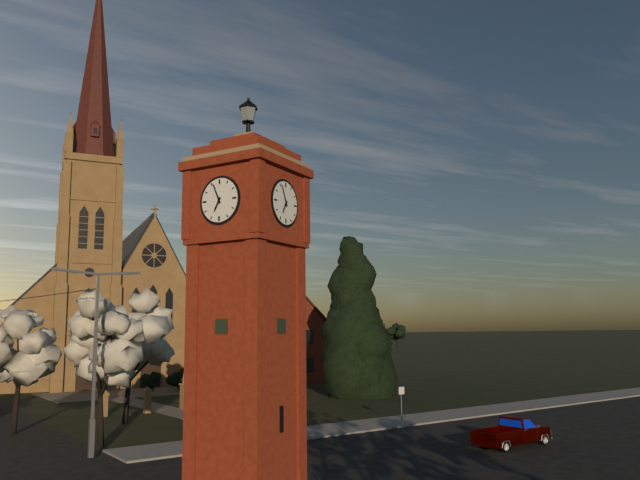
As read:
**6:56**
